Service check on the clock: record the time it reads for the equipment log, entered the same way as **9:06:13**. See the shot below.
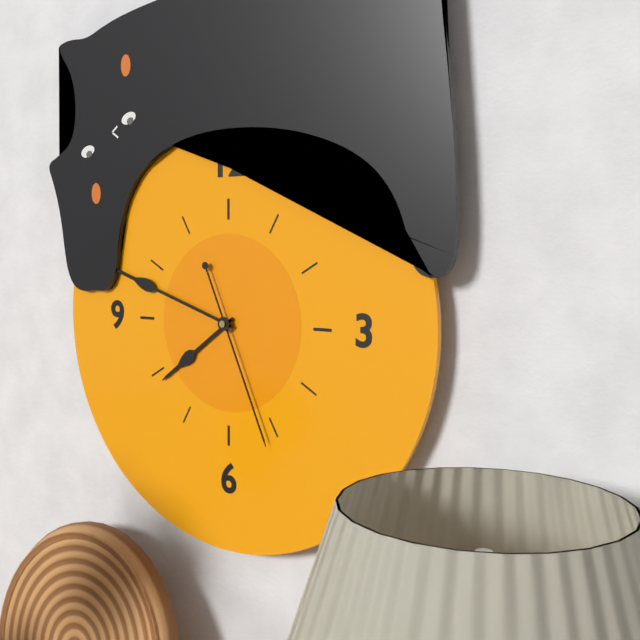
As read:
**7:48:26**
